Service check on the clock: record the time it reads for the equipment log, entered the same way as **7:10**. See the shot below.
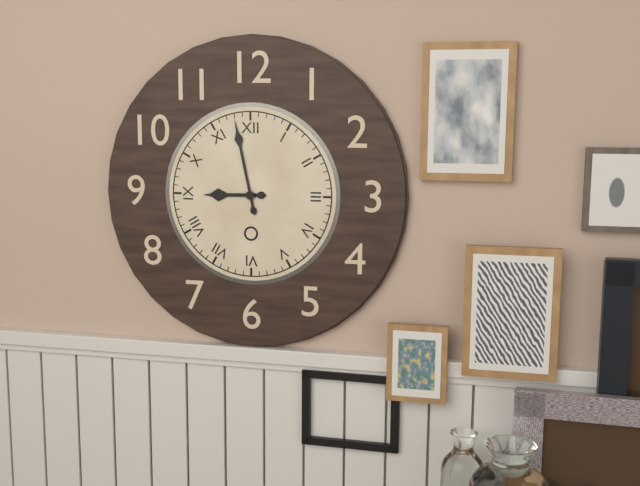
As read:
**8:58**
